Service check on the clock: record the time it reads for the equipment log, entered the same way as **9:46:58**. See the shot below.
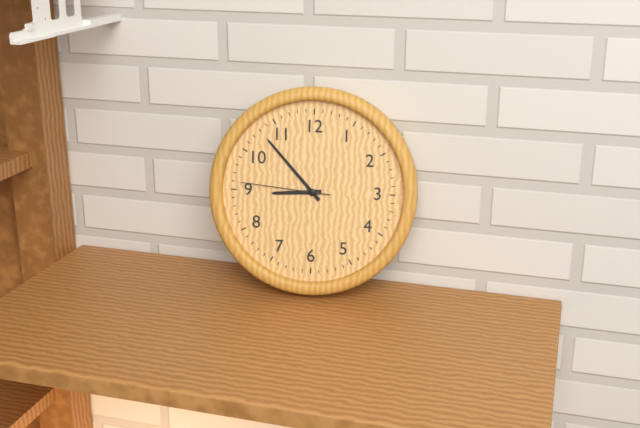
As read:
**8:53:46**
